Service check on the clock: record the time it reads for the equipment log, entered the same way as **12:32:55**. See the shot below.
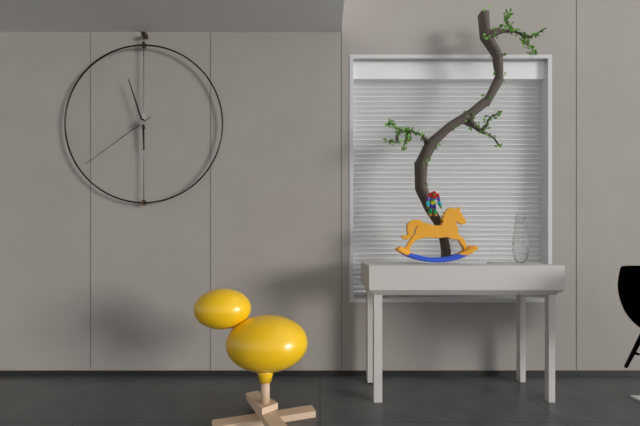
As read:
**5:57:39**
